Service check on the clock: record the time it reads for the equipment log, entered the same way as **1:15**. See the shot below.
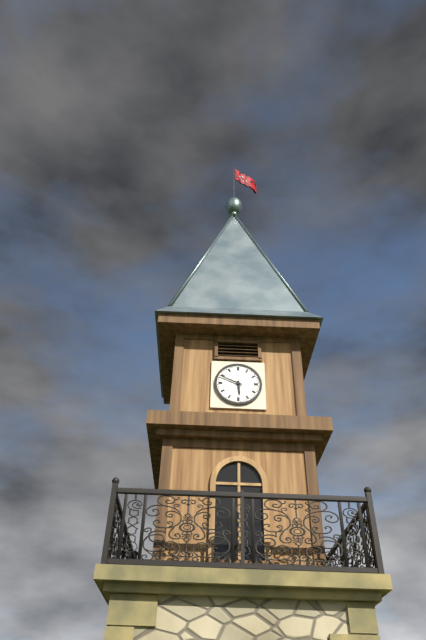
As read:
**5:49**
